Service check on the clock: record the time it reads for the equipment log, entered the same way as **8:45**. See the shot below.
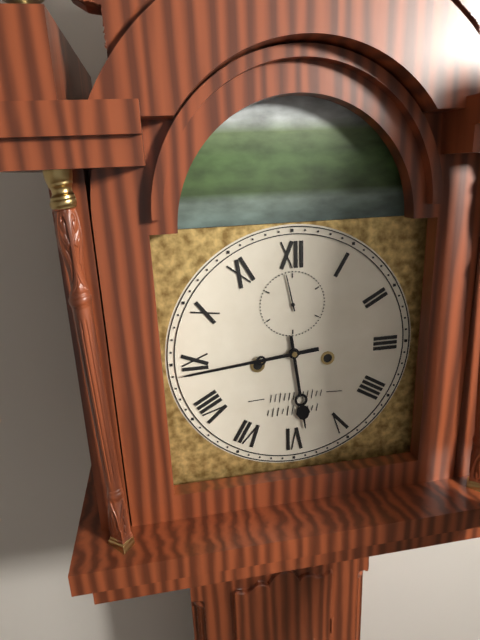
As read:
**5:44**
